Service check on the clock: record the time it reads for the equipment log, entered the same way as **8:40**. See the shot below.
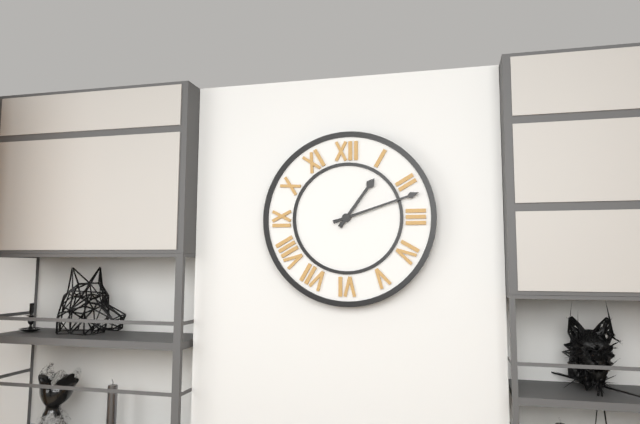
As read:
**1:12**
